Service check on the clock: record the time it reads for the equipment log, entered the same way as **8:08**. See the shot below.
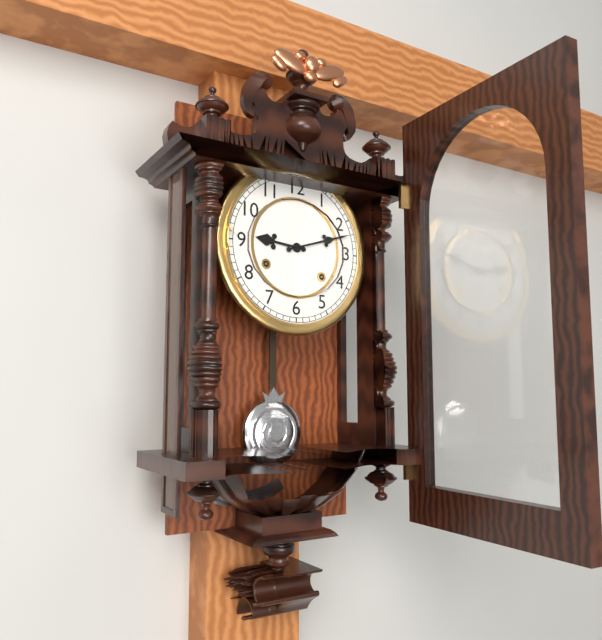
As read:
**9:12**
